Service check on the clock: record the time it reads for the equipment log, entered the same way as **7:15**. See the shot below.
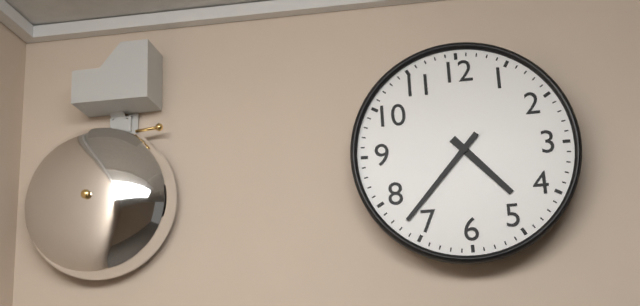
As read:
**4:37**
